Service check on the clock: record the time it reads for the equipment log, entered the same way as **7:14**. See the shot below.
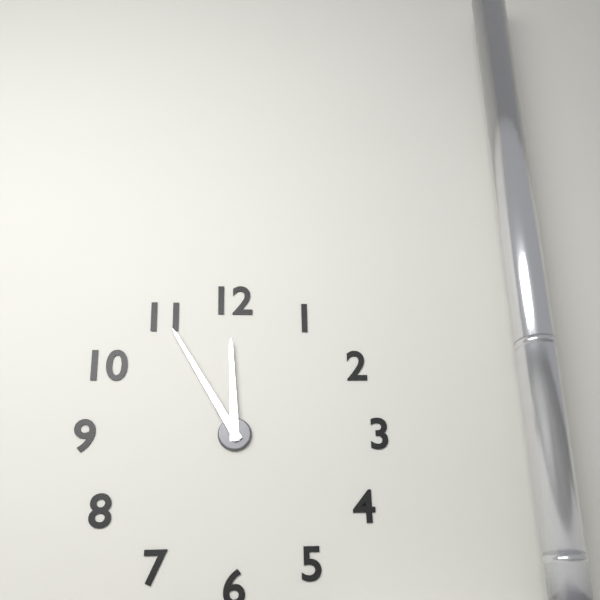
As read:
**11:55**
